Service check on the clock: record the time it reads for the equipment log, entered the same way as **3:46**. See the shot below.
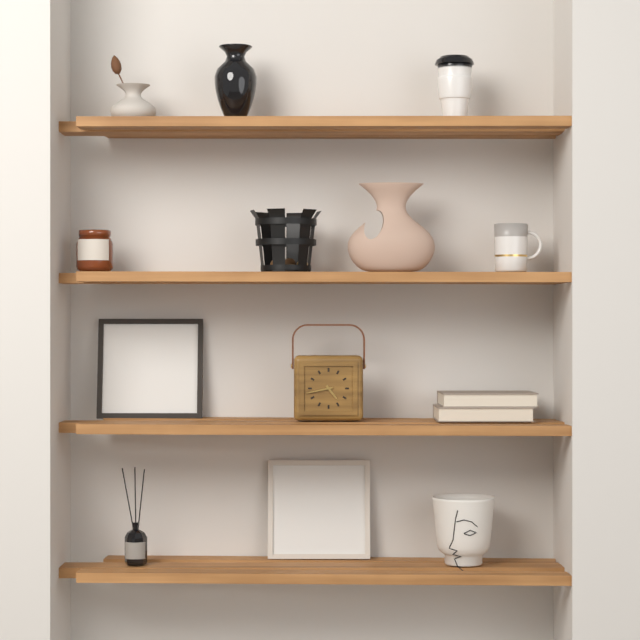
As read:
**4:43**
